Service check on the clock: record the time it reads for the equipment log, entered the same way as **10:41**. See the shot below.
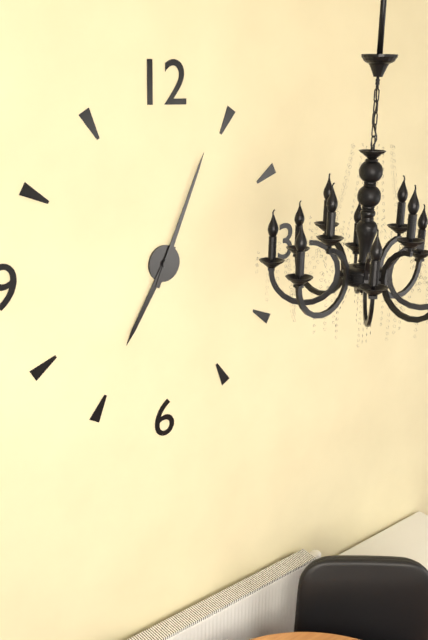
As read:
**7:04**
